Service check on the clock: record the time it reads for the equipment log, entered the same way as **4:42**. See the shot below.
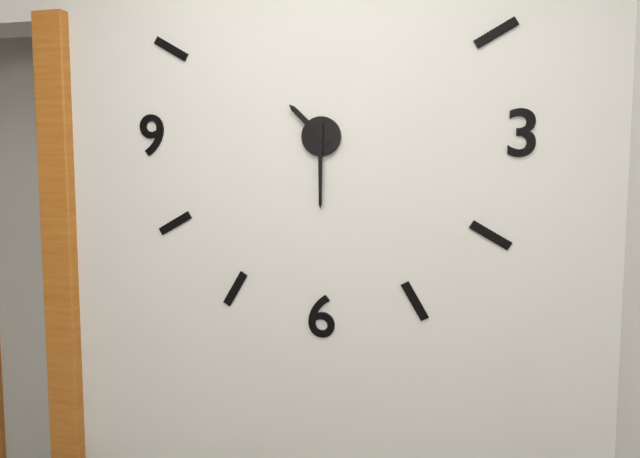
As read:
**10:30**
